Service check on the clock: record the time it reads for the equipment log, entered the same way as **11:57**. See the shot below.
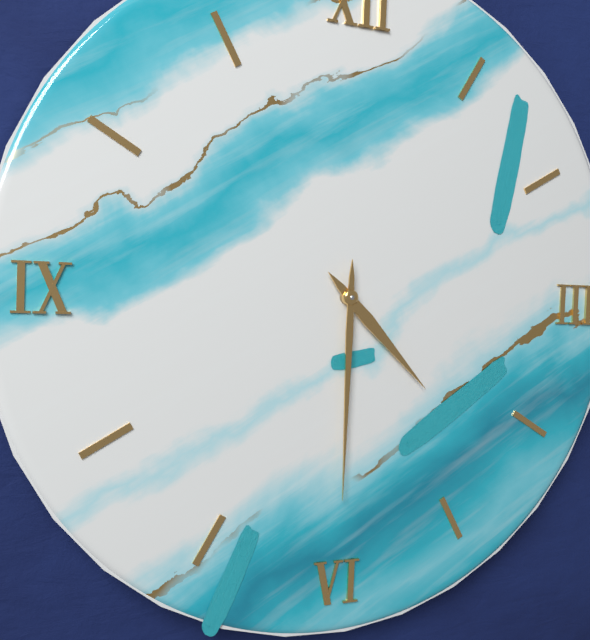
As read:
**4:30**
